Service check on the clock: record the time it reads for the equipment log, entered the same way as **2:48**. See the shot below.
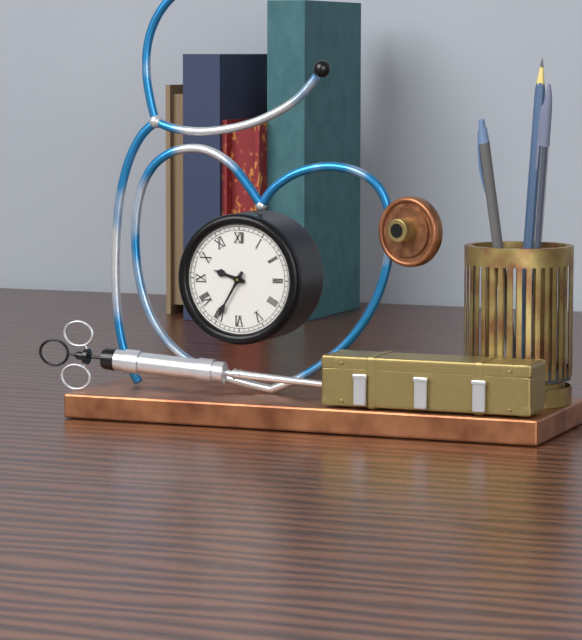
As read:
**9:35**
